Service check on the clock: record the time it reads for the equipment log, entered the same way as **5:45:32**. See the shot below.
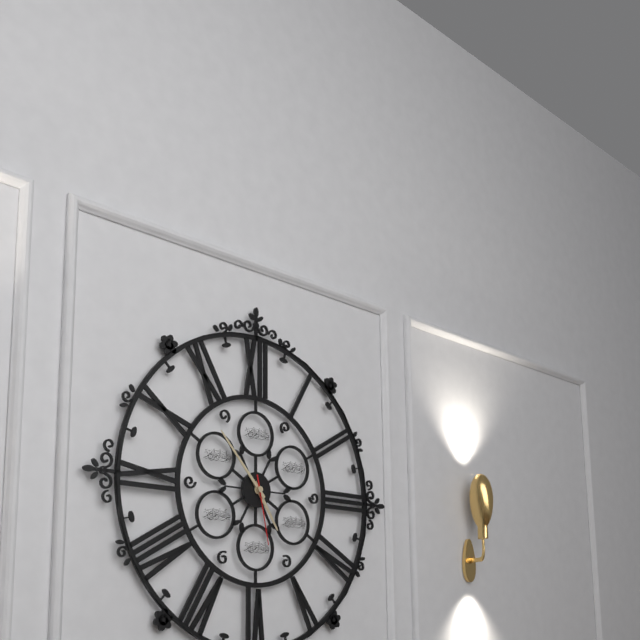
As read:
**4:53:28**
